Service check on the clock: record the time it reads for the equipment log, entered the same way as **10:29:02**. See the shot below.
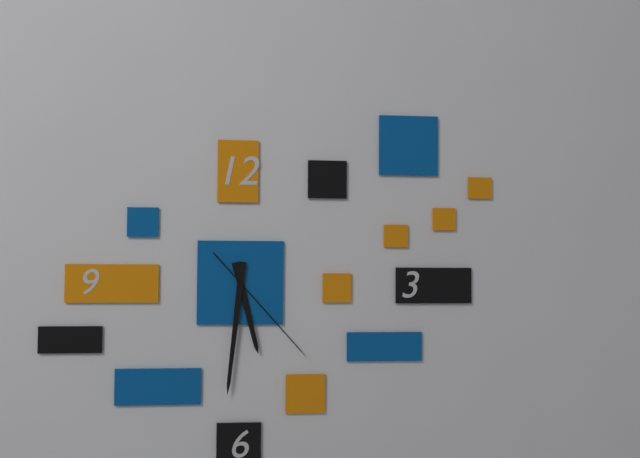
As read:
**5:31:23**
